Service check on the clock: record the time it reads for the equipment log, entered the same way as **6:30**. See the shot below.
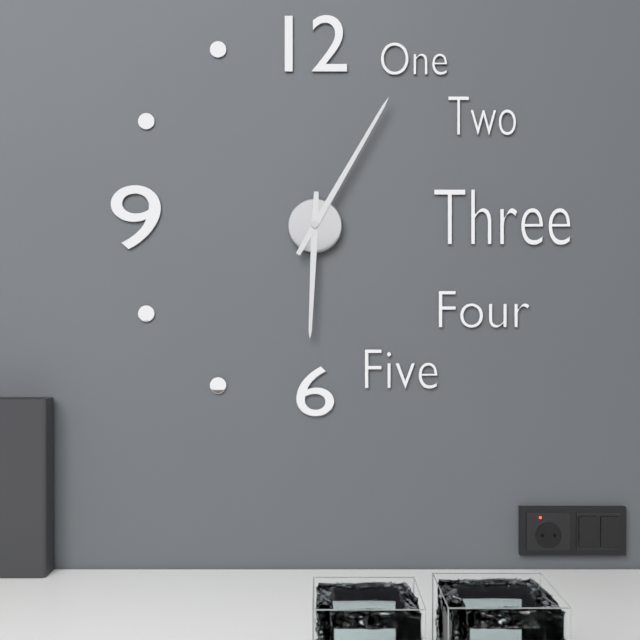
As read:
**6:05**
